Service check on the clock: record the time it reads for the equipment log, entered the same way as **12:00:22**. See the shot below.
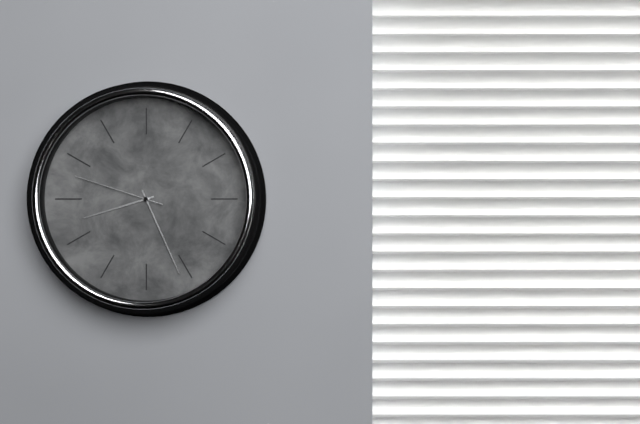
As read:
**8:26:48**
